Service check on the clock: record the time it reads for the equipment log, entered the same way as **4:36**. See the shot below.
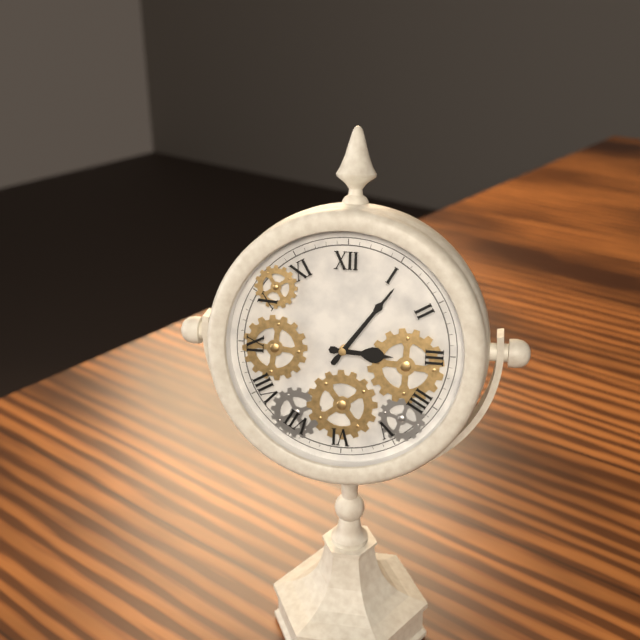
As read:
**3:06**
